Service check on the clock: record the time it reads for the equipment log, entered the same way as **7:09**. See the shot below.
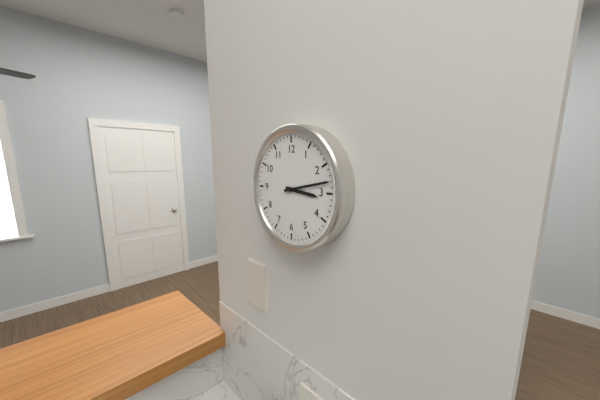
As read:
**3:13**
